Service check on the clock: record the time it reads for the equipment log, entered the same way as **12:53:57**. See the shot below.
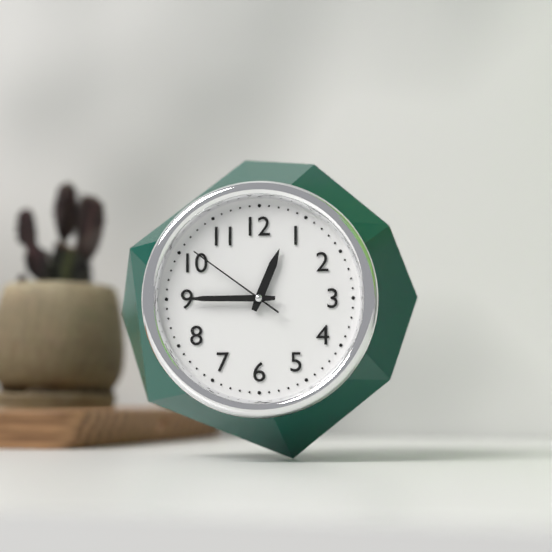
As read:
**12:45:51**
